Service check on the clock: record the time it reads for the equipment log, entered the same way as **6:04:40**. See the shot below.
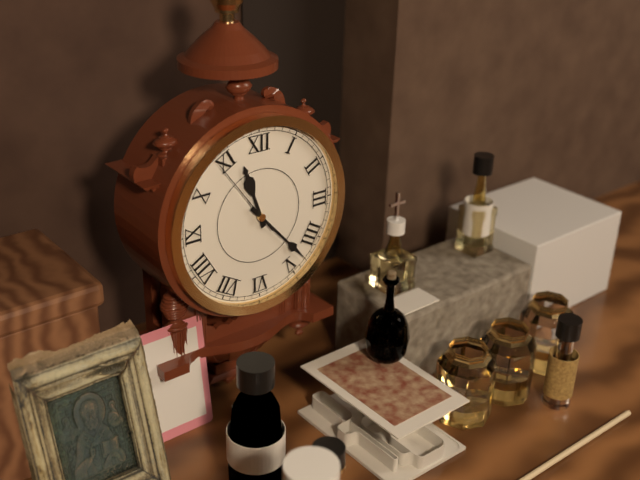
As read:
**11:23:54**
